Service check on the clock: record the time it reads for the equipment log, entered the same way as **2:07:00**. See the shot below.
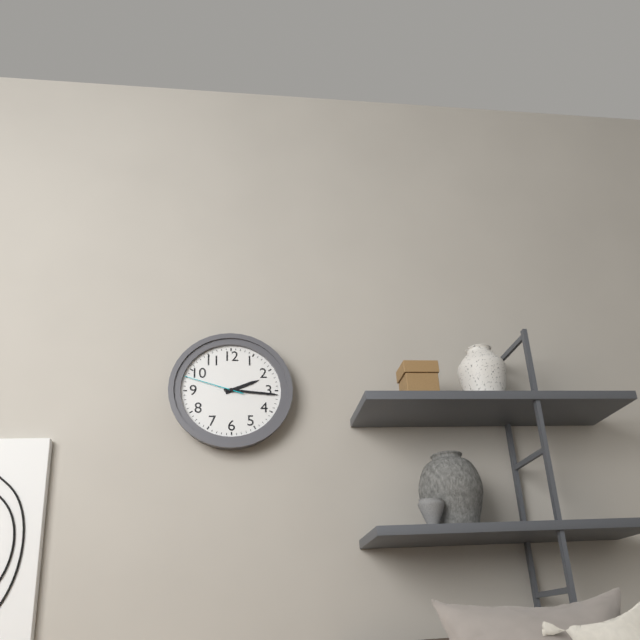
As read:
**2:16:48**
